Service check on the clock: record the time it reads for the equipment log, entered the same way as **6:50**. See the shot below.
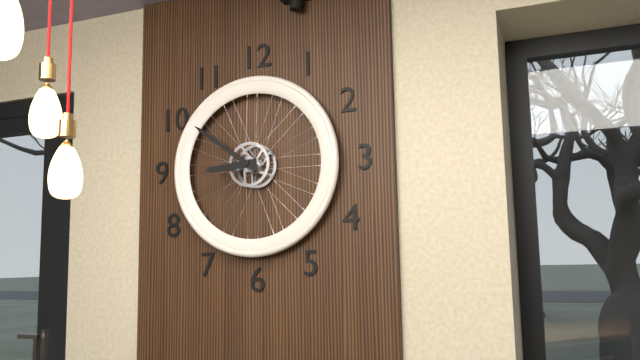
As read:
**8:51**
